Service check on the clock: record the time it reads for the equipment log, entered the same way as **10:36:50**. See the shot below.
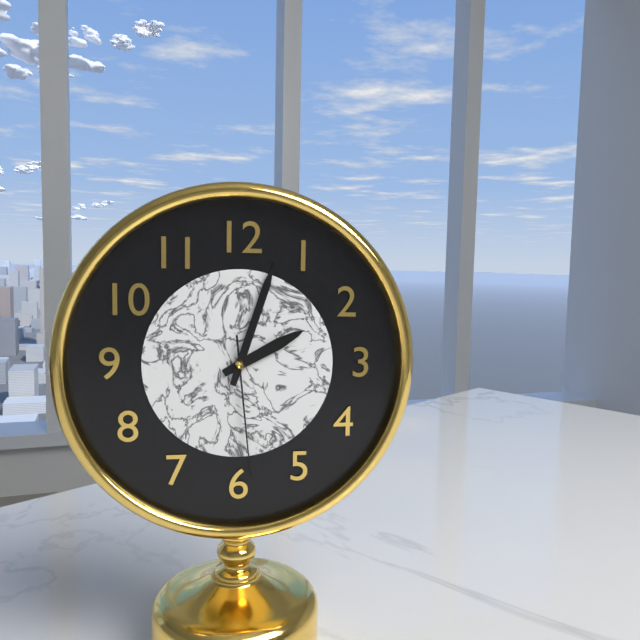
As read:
**2:03:29**
